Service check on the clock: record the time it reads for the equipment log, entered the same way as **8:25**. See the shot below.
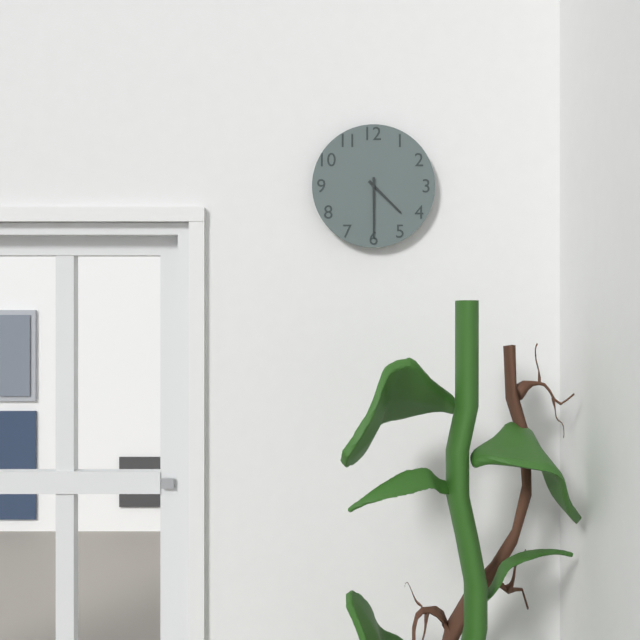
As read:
**4:30**
